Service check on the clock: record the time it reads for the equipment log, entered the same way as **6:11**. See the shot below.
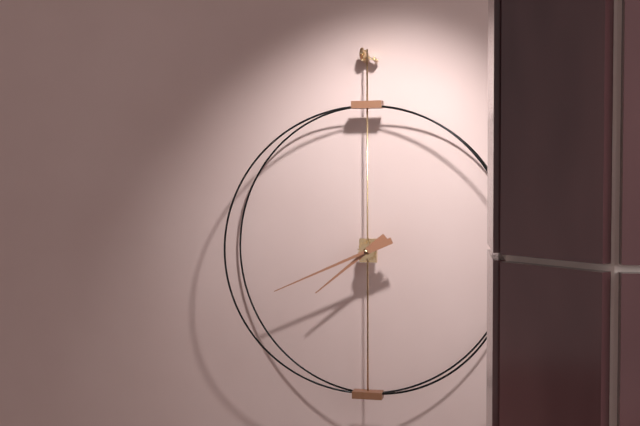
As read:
**7:41**
